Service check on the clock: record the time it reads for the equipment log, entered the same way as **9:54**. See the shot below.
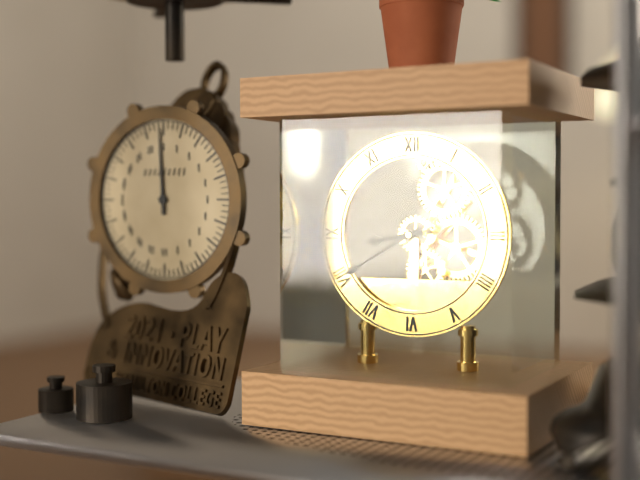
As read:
**8:40**
